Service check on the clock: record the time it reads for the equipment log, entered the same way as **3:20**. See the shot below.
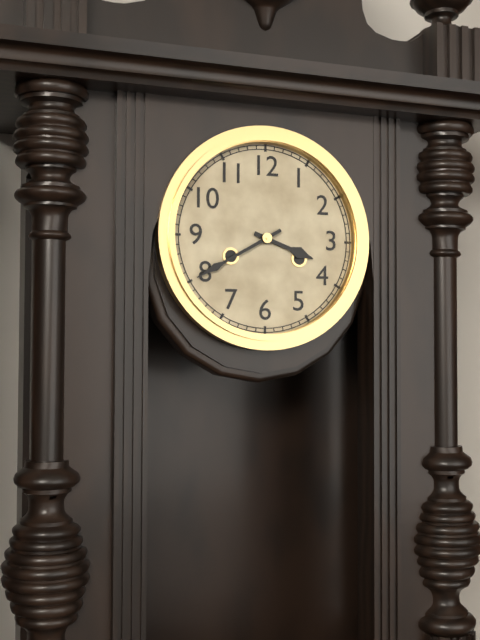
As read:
**3:40**
